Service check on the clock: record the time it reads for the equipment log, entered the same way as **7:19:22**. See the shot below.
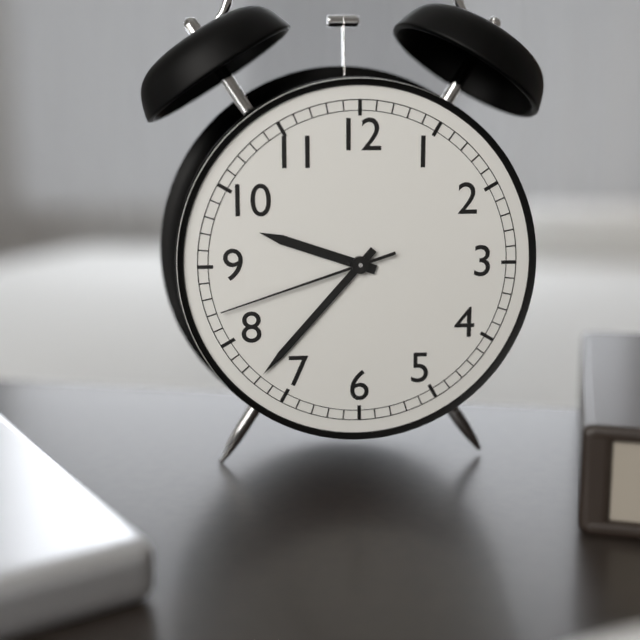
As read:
**9:37:42**
